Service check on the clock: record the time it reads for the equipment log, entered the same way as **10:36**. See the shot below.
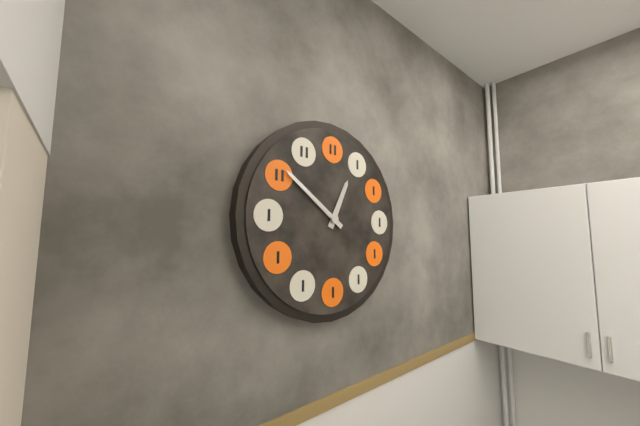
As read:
**12:51**
